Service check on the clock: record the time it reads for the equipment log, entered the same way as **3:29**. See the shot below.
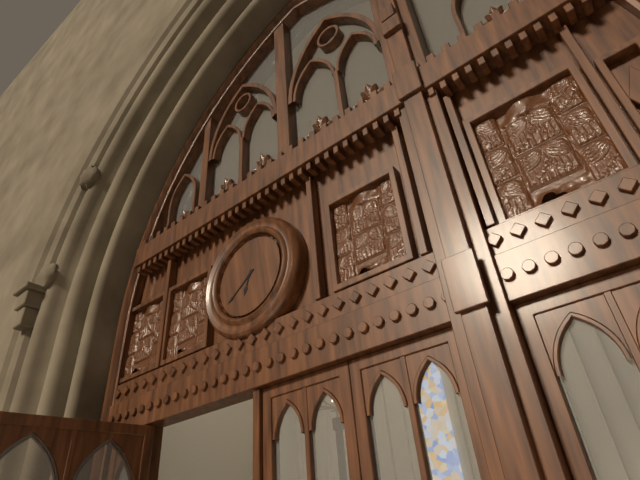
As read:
**6:39**
